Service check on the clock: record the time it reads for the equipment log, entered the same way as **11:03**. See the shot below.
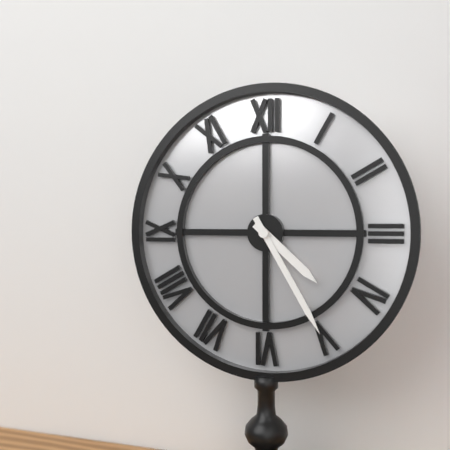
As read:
**4:25**
